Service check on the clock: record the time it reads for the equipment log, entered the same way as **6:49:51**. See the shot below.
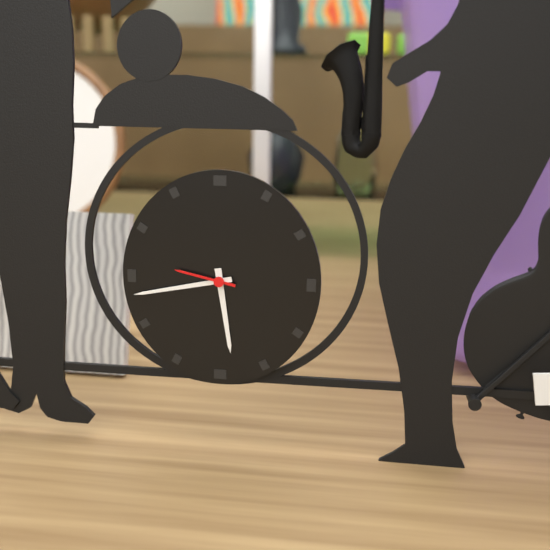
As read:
**5:43:47**
